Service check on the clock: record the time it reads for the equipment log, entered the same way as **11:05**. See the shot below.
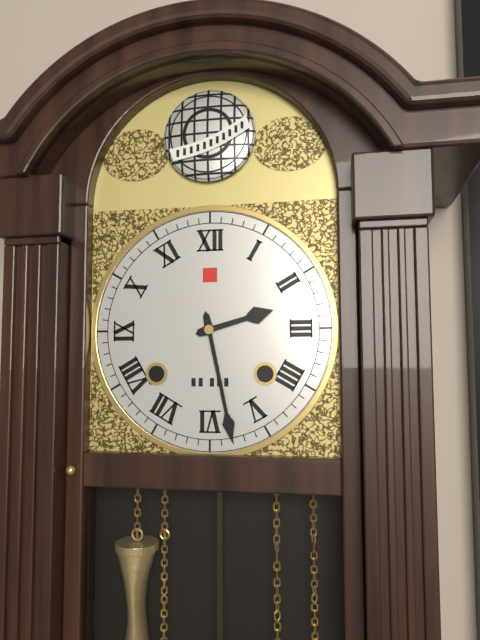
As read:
**2:28**
